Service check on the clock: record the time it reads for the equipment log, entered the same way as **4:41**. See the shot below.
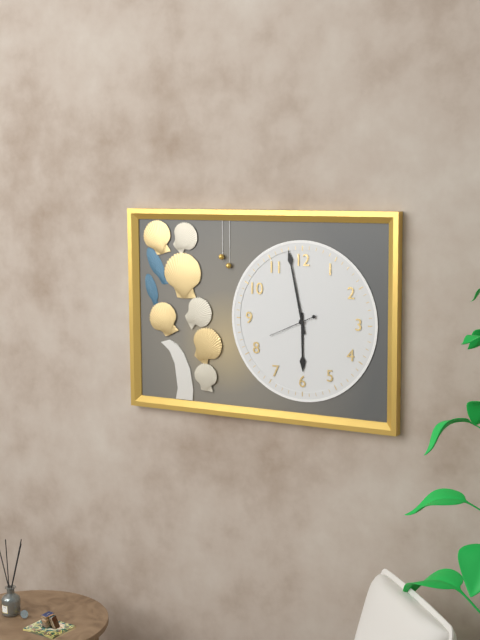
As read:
**5:58**
